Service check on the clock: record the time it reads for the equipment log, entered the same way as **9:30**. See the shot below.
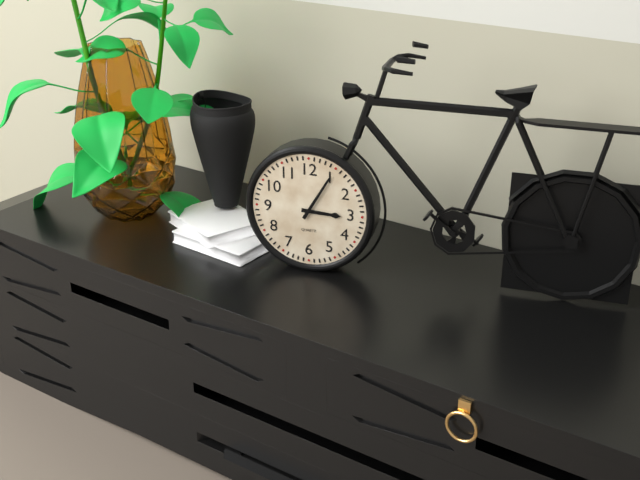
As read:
**3:05**
